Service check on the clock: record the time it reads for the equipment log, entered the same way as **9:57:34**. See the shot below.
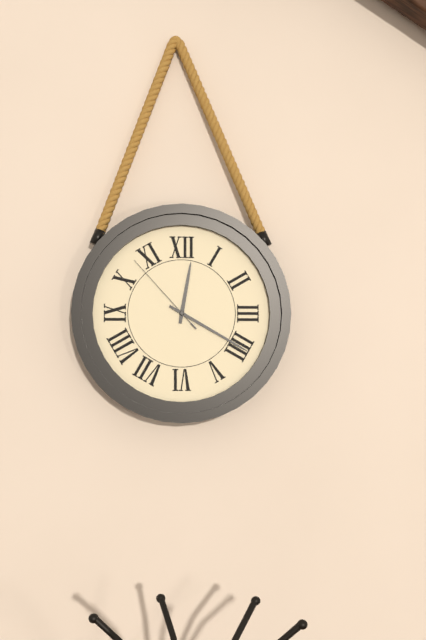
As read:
**12:20:53**
